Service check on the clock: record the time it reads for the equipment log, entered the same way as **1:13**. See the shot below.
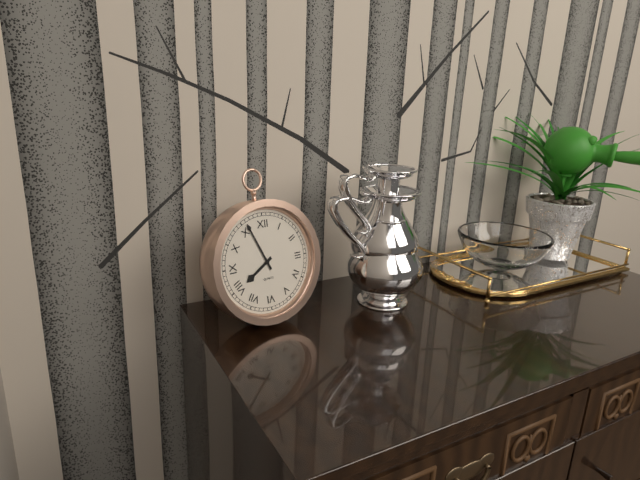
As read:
**7:56**
